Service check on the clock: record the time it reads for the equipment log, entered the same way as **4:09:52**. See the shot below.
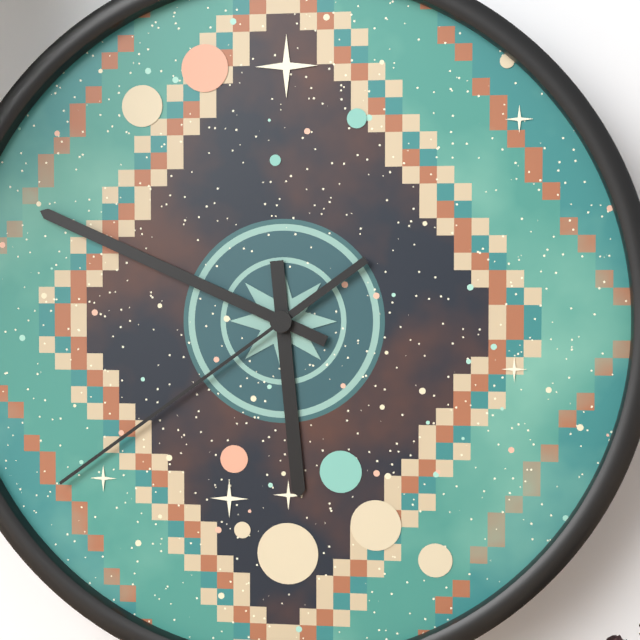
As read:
**5:49:39**
